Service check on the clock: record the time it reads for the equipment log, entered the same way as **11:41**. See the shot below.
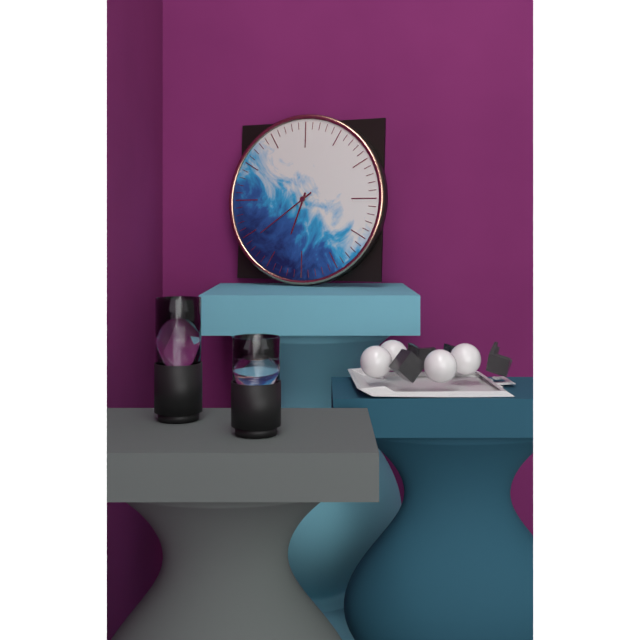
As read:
**6:39**
